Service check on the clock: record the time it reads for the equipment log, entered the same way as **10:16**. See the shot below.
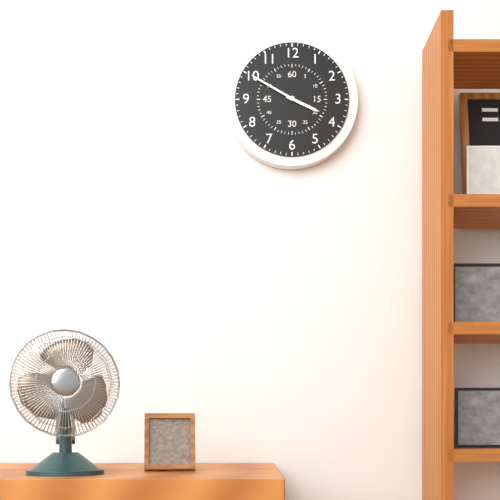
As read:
**3:50**
